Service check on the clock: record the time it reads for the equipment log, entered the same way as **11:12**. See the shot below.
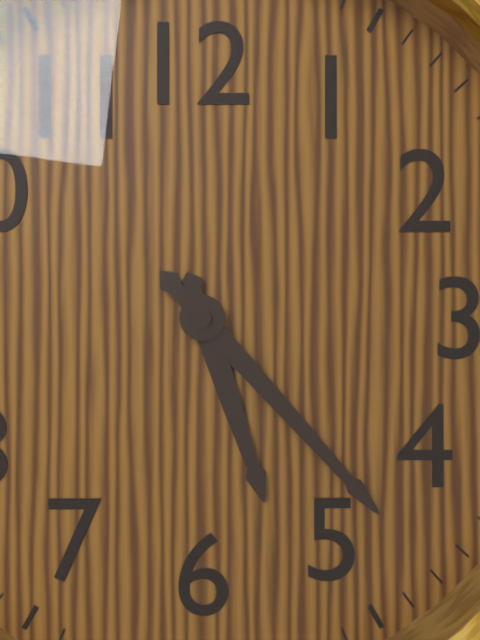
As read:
**5:23**
